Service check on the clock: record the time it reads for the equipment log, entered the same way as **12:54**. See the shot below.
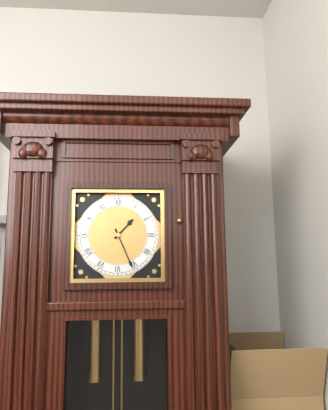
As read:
**1:26**
